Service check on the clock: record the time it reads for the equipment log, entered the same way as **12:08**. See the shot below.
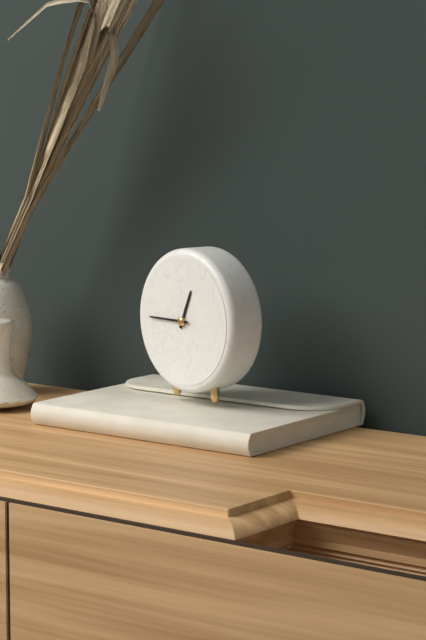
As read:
**12:45**
